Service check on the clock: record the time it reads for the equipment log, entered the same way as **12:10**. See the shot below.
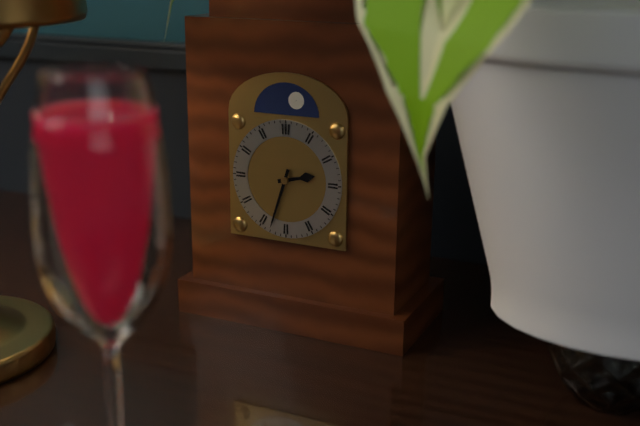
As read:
**2:33**
